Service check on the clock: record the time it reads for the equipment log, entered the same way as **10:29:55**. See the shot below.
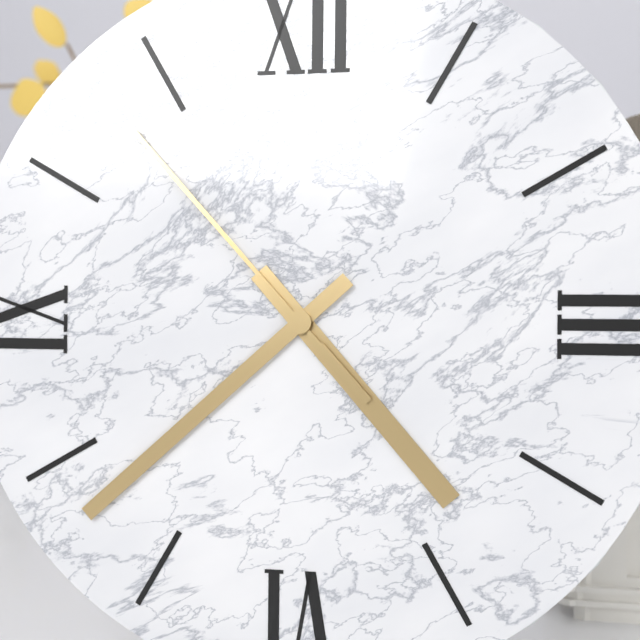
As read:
**4:38:53**
